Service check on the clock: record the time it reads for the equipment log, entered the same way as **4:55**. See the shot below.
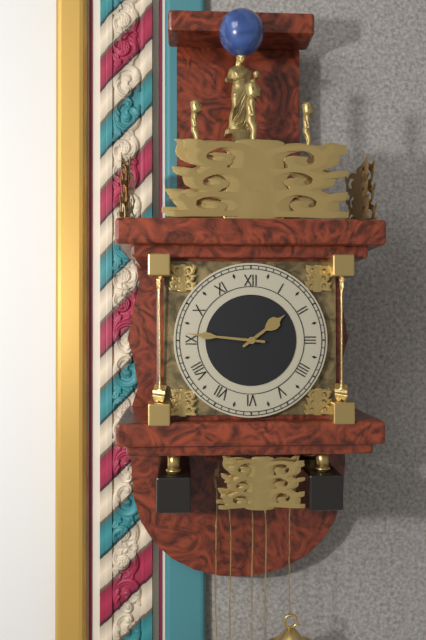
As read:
**1:46**
